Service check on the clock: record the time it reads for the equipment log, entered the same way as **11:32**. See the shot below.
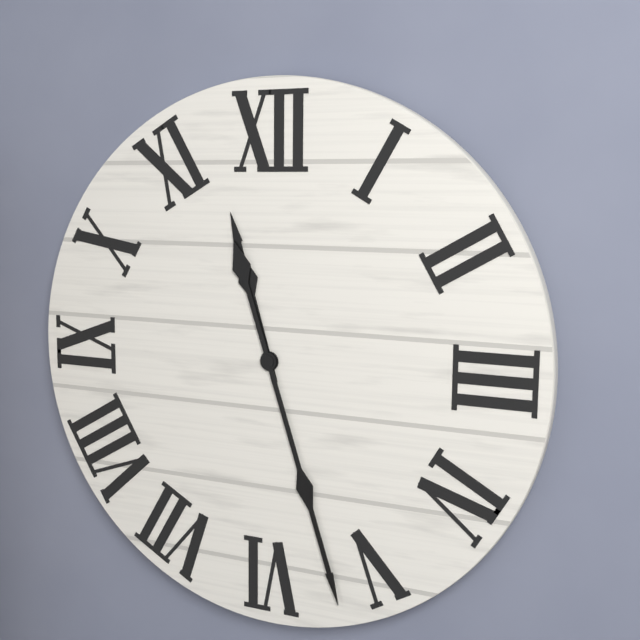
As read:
**11:27**
